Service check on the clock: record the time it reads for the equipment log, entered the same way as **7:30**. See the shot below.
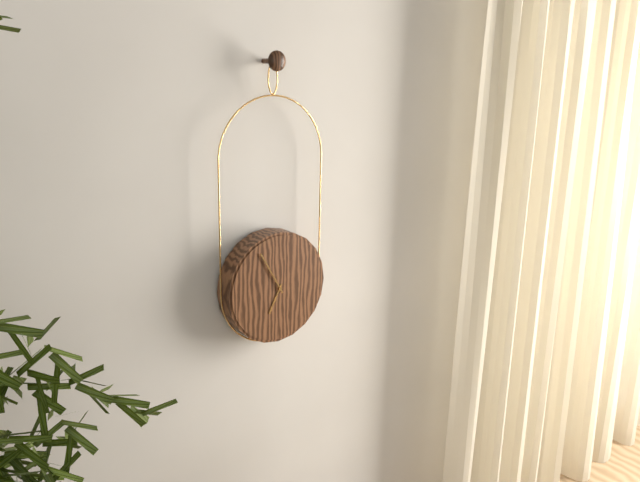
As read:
**6:55**
